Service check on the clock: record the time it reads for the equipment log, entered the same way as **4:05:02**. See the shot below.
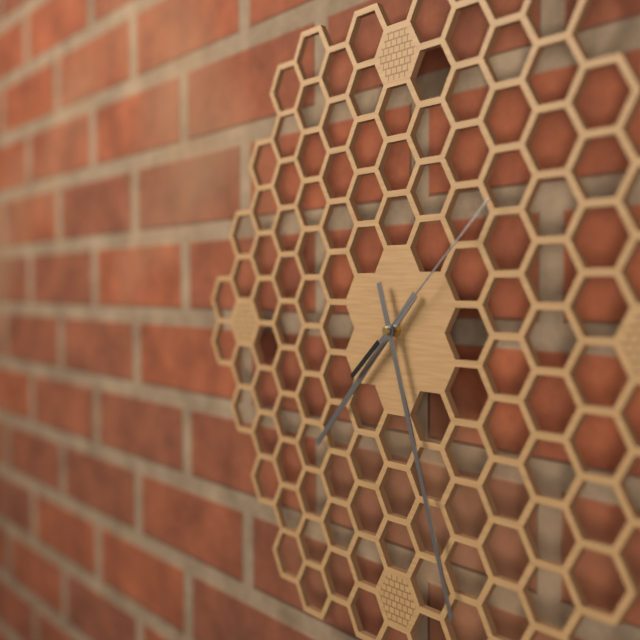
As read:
**7:27:08**
